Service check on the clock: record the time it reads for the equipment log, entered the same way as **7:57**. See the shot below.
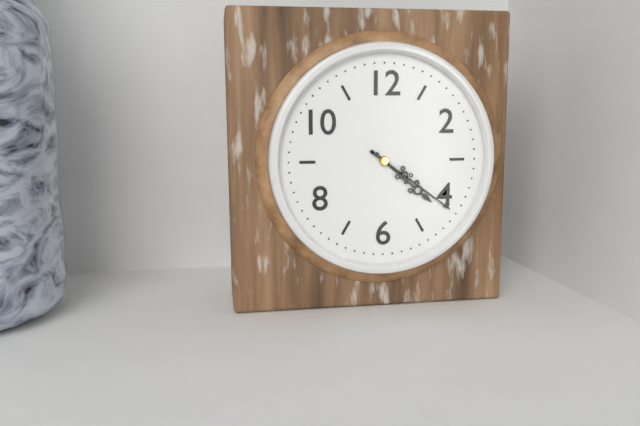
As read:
**4:21**
